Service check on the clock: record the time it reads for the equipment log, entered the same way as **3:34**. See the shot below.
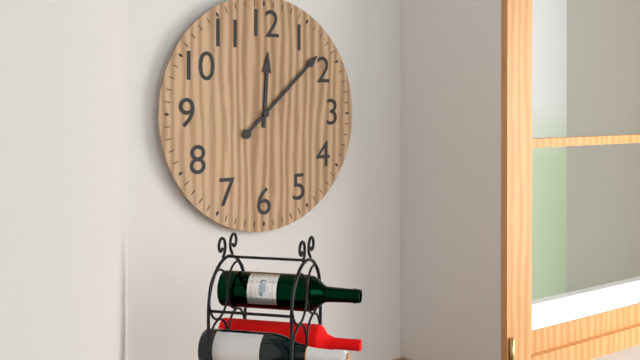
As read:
**12:08**
